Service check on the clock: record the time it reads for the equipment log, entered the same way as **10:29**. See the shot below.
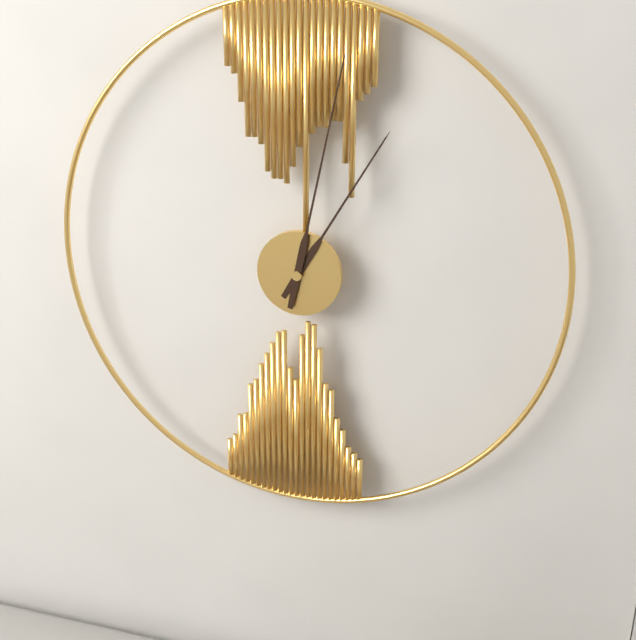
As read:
**1:02**
